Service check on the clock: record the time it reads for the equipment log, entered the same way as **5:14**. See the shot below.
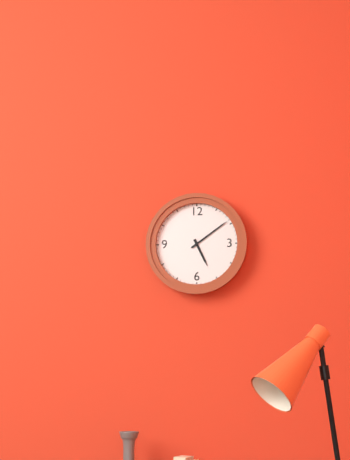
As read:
**5:09**
